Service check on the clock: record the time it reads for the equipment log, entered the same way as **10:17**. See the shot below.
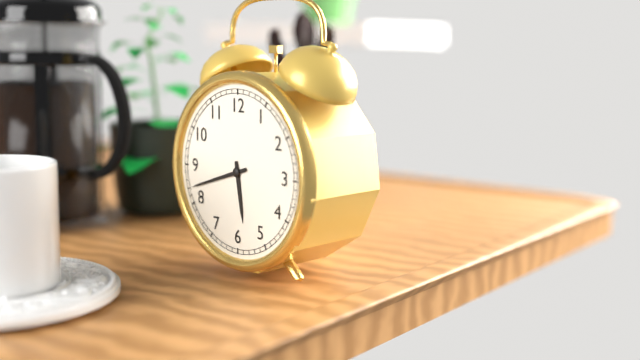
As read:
**5:42**
